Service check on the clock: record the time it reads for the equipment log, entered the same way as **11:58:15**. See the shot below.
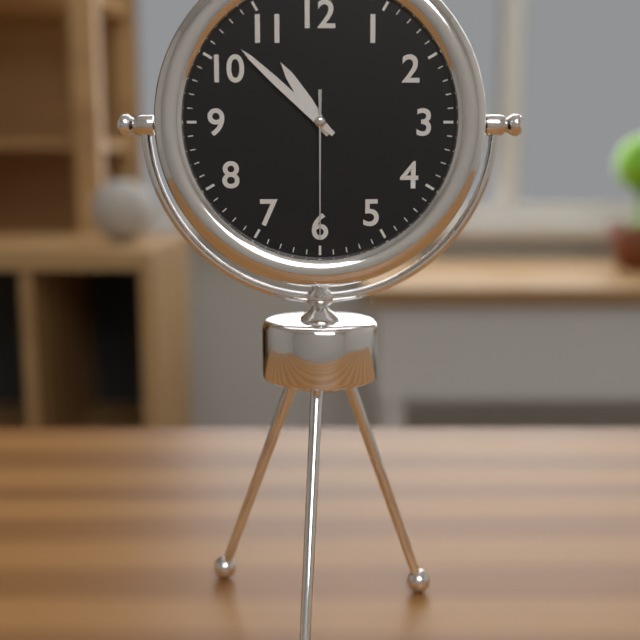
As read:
**10:52:30**
